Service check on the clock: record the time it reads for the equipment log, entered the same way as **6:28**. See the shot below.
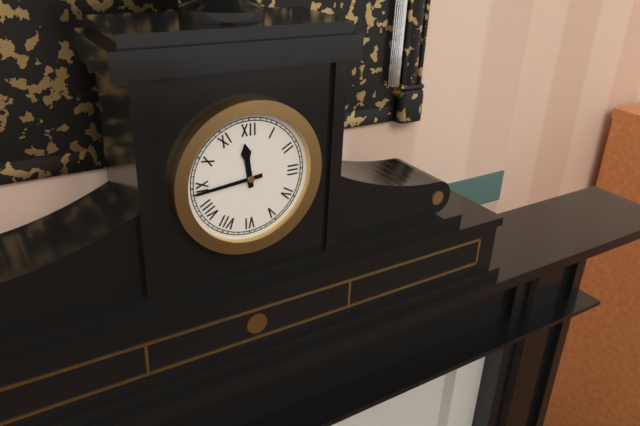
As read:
**11:44**
